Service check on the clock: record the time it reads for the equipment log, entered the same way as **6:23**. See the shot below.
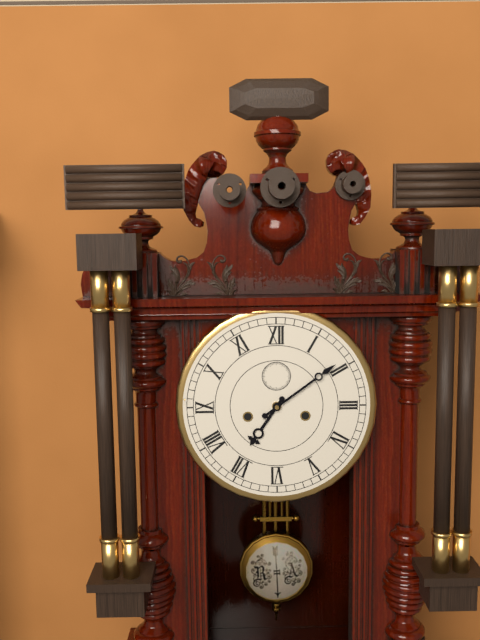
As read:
**7:09**
